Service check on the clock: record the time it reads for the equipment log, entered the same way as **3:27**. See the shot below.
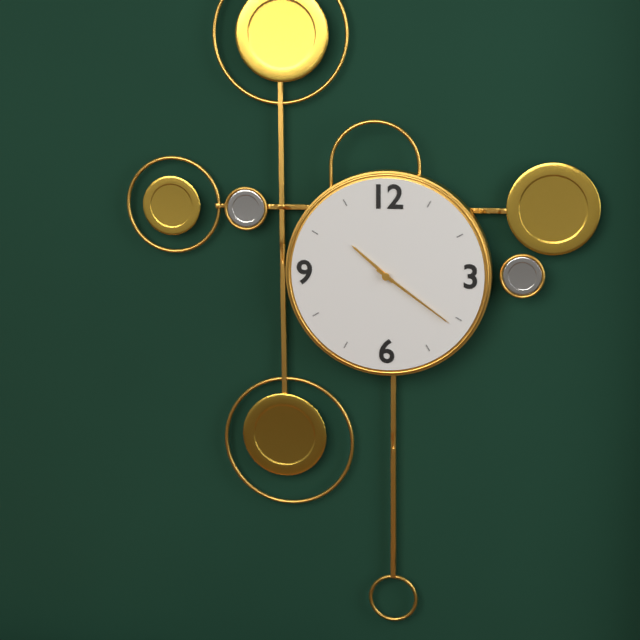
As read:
**10:21**
